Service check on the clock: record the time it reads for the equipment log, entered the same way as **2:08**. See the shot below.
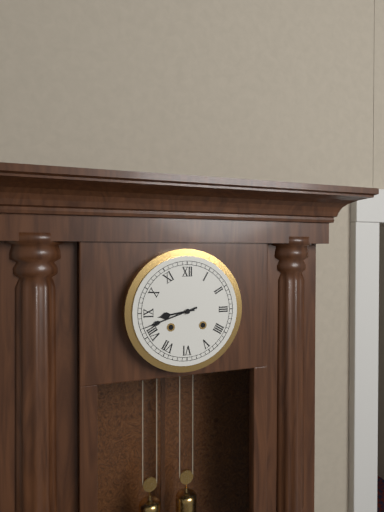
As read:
**8:42**
